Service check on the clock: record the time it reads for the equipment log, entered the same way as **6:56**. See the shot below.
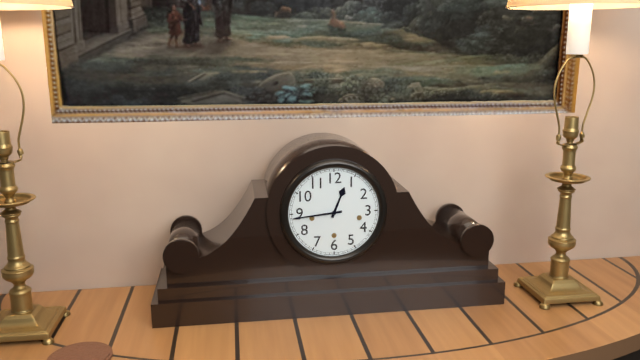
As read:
**12:44**
